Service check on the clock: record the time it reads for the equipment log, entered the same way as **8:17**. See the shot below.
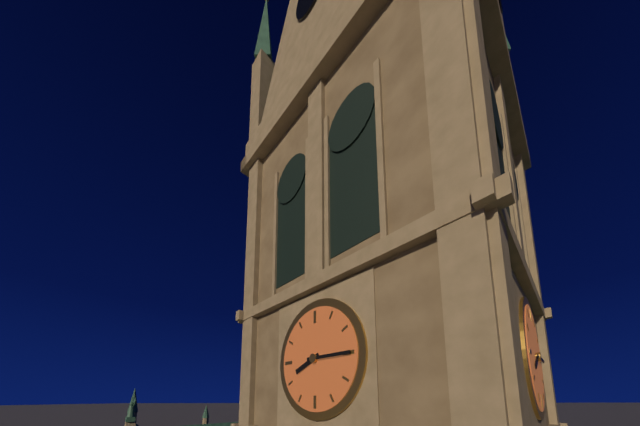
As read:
**8:15**
